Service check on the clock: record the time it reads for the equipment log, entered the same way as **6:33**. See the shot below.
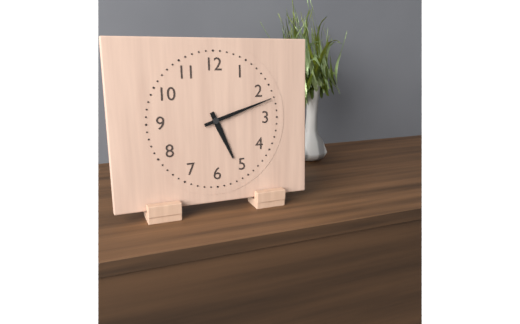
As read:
**5:12**
